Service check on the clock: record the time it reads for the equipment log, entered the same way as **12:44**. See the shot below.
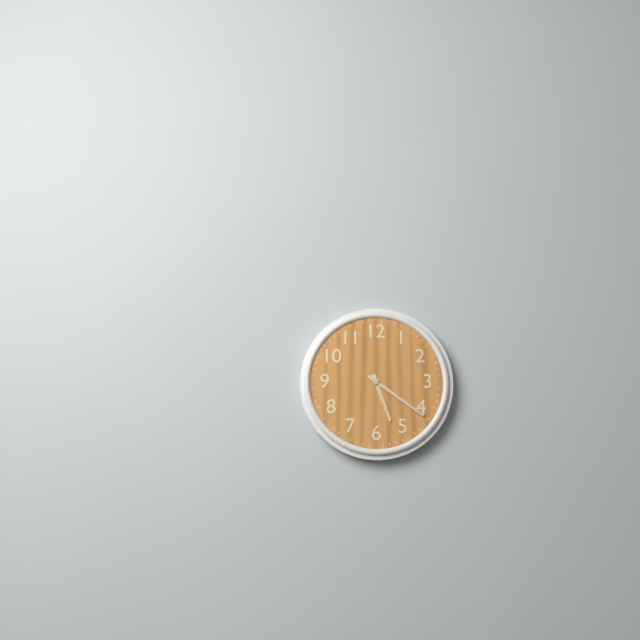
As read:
**5:21**
